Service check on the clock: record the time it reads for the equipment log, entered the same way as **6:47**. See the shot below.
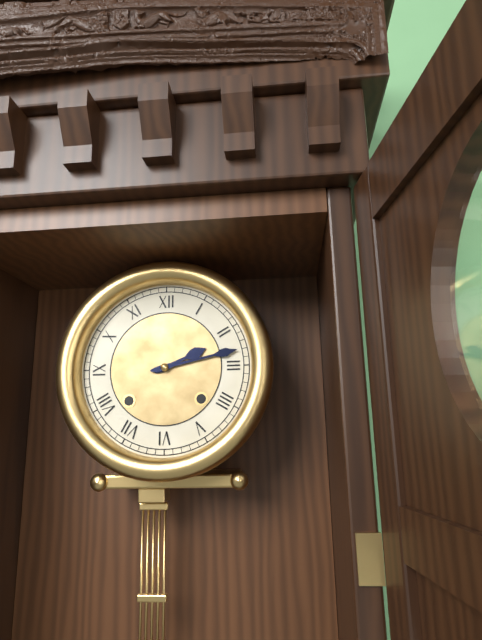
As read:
**2:13**
